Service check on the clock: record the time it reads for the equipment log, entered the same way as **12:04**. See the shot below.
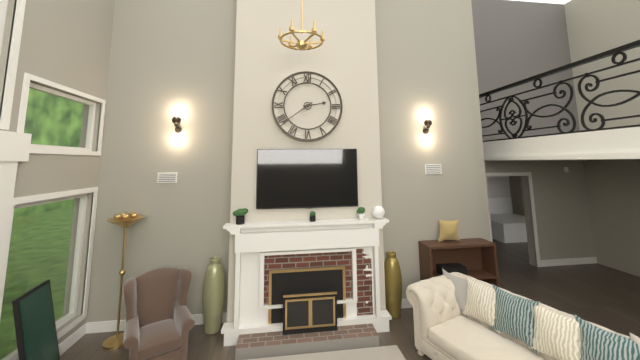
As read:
**2:39**
